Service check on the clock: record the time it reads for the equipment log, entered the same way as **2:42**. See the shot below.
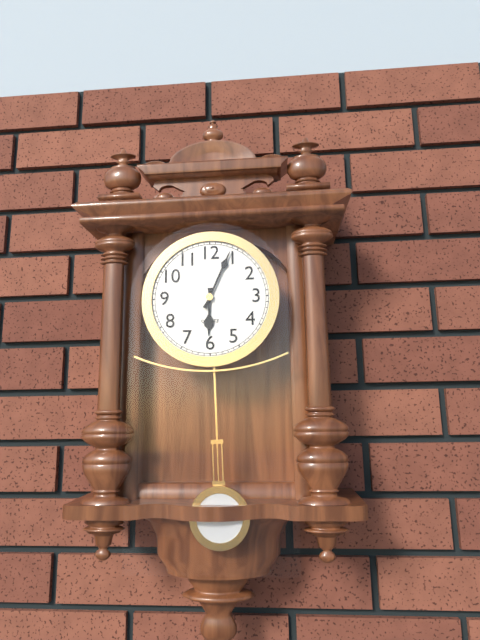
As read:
**6:04**
